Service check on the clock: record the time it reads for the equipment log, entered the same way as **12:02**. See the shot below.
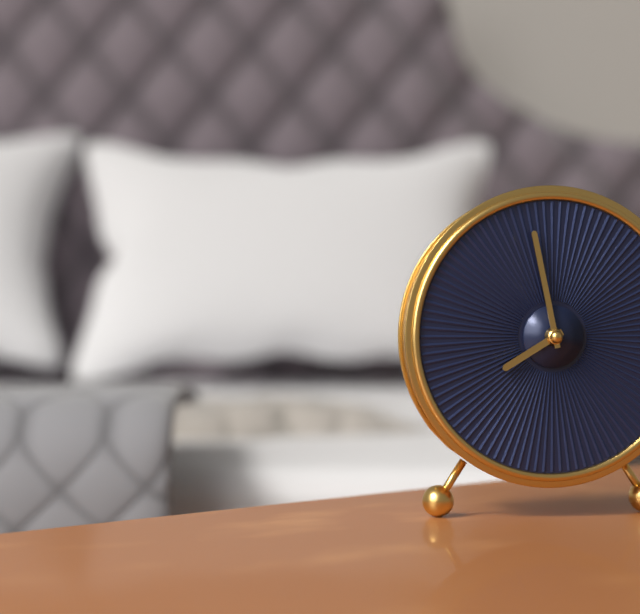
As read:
**7:58**
